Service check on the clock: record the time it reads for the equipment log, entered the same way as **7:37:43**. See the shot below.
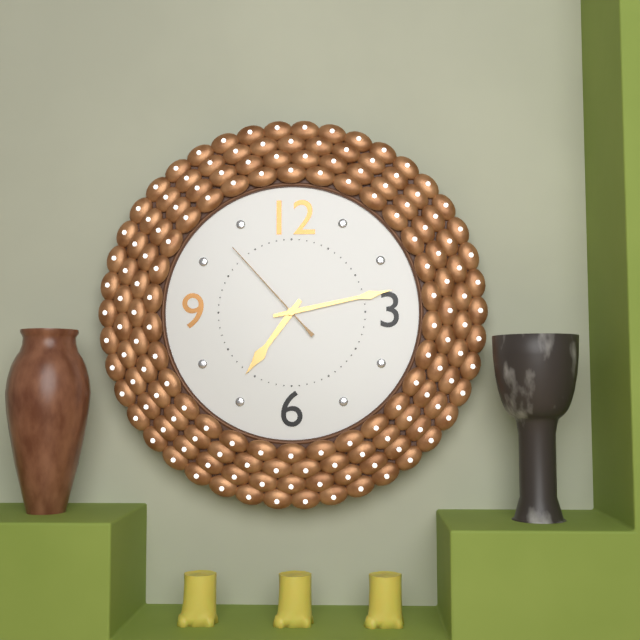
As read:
**7:13:53**
